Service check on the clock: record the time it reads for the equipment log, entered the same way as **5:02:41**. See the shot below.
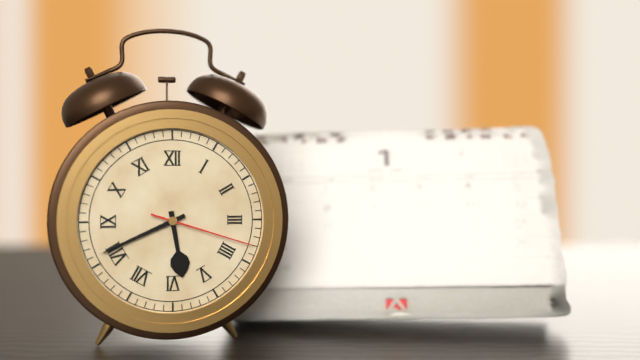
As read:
**5:41:18**
